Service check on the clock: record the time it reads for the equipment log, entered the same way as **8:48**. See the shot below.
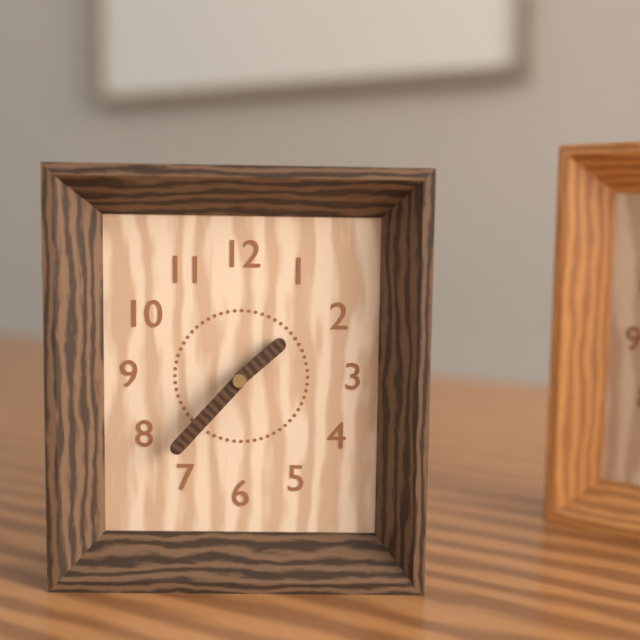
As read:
**1:37**
